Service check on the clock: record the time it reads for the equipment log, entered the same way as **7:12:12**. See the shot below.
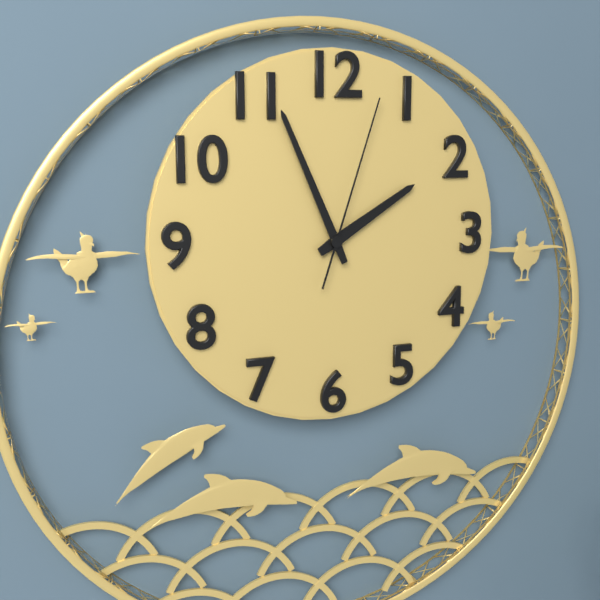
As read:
**1:56:03**
